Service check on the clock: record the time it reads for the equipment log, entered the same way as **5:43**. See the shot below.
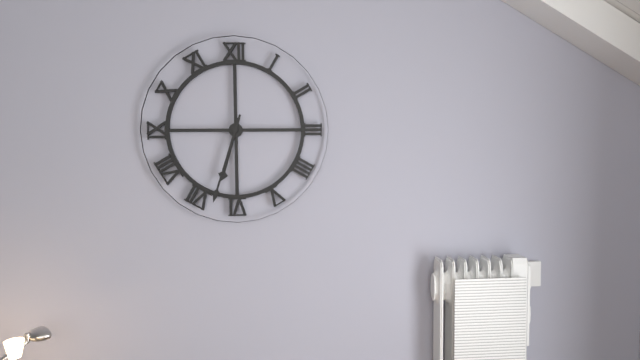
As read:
**6:33**
